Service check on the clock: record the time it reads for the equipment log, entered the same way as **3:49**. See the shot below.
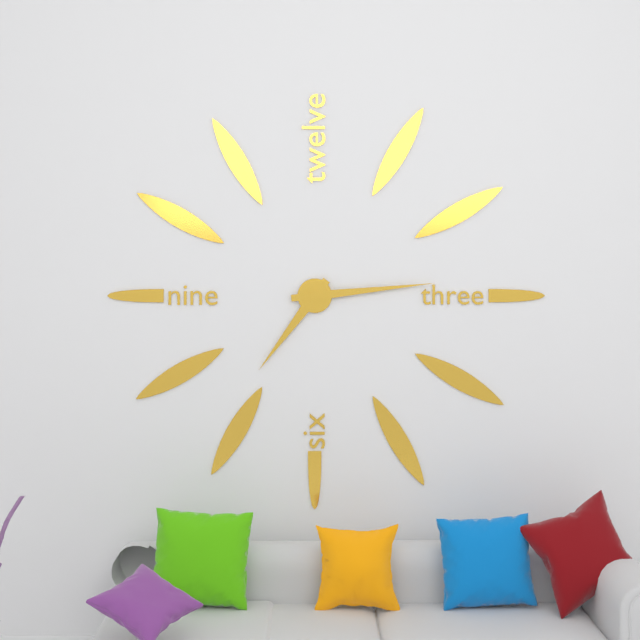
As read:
**7:14**
